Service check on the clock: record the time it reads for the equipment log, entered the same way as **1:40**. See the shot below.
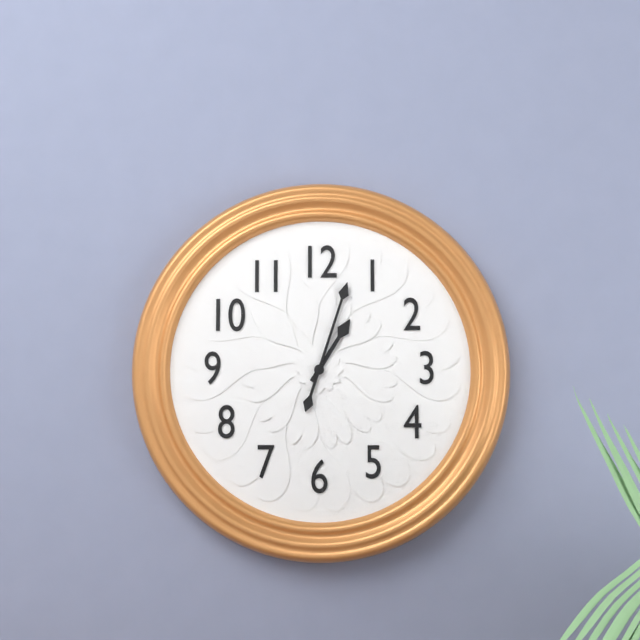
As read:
**1:03**
